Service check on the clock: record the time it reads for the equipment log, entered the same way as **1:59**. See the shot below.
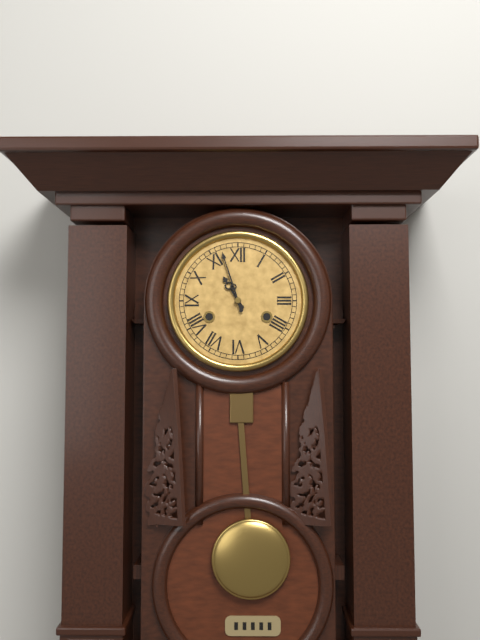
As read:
**10:57**
